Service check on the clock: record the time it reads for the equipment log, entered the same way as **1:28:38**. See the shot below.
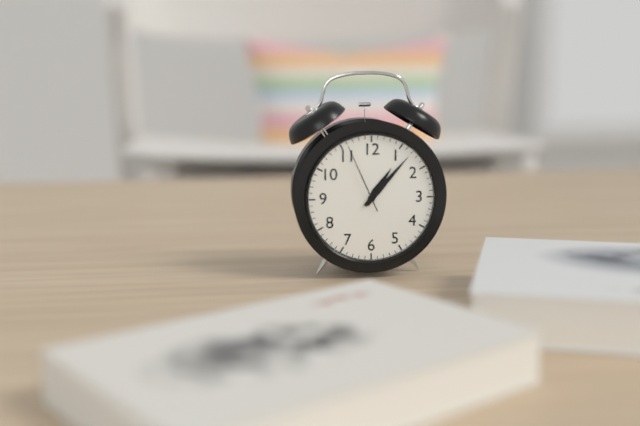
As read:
**1:07:56**
